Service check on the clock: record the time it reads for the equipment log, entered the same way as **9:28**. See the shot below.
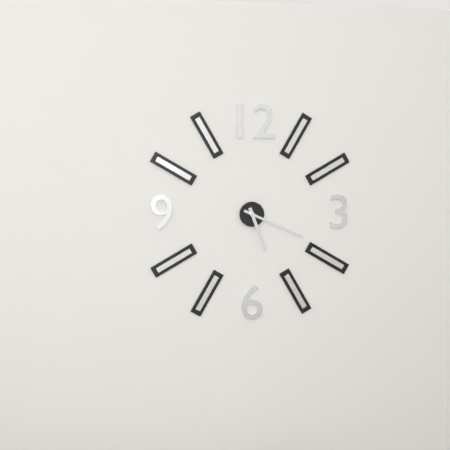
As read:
**5:19**
